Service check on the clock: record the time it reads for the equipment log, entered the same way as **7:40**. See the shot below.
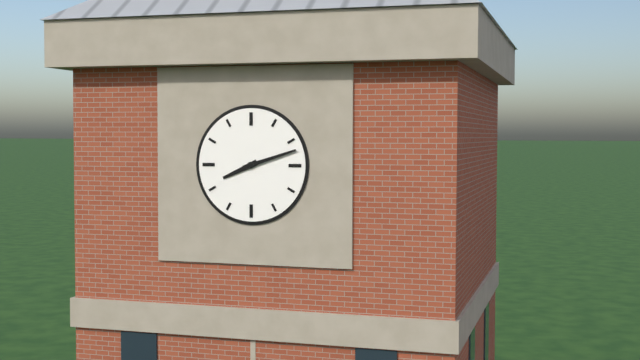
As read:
**8:12**
